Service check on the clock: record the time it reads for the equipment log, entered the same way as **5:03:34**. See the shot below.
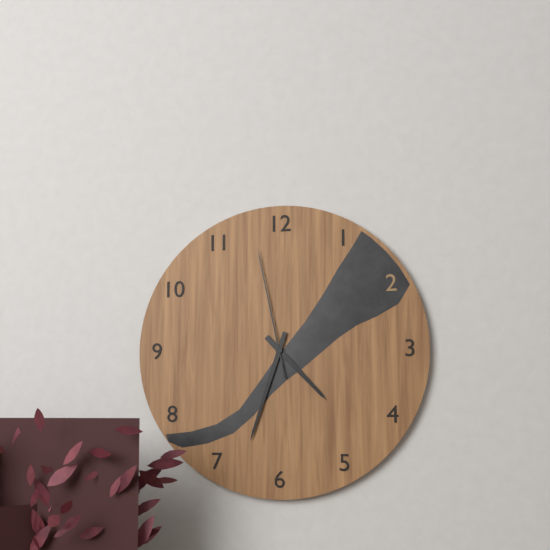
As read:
**4:33:58**
